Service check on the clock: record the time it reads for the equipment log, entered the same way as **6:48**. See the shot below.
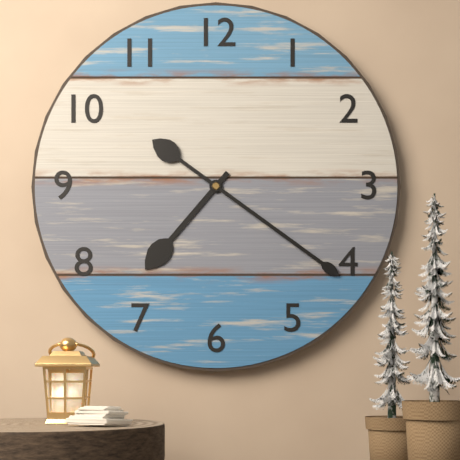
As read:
**7:21**
